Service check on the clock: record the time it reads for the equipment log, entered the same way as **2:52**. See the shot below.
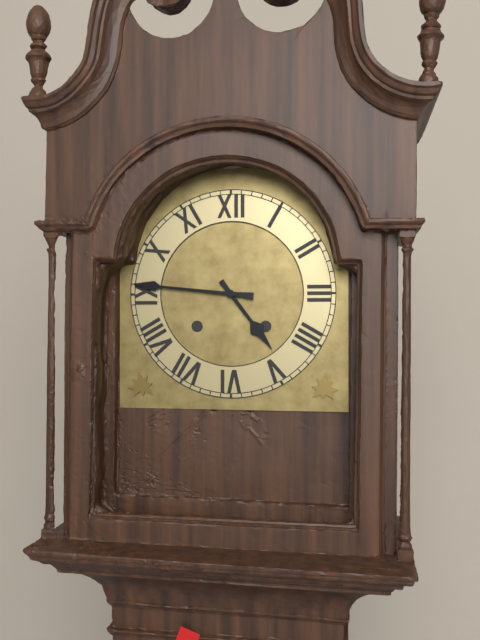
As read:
**4:46**
